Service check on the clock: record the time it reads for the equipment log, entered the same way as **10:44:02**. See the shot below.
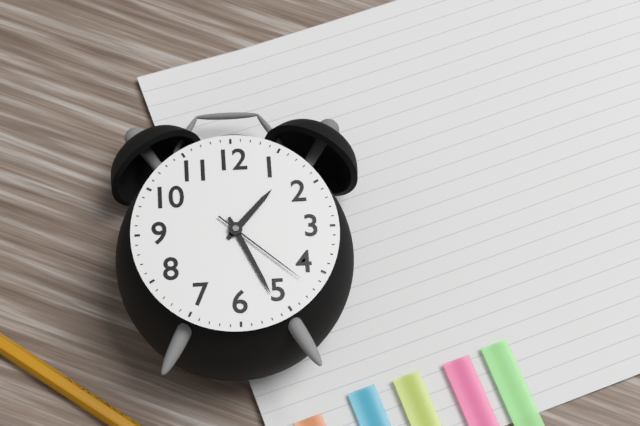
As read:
**1:26:22**
